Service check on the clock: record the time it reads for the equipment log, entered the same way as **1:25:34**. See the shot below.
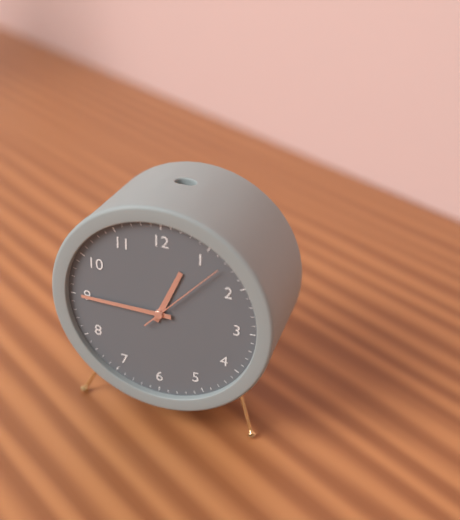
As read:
**12:45:07**
